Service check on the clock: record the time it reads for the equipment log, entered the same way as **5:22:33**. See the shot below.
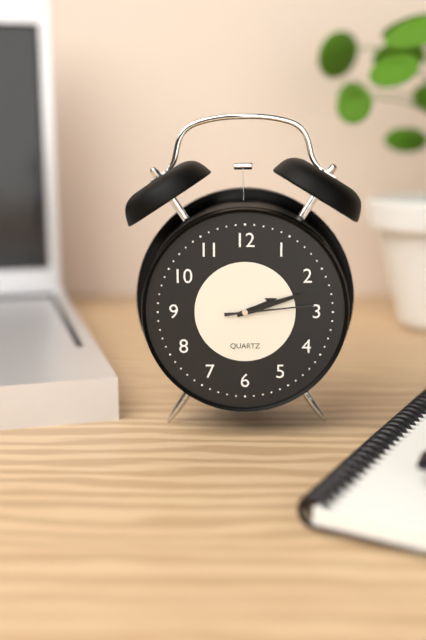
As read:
**2:12:14**
